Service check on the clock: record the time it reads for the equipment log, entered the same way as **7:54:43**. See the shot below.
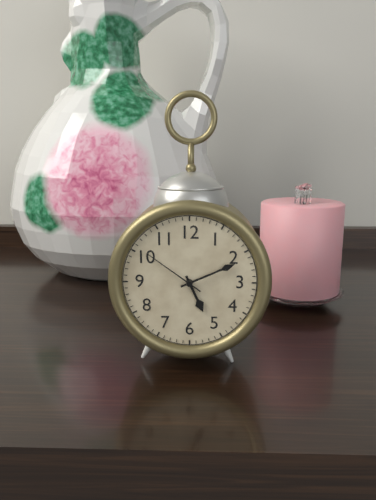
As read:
**5:11:51**
